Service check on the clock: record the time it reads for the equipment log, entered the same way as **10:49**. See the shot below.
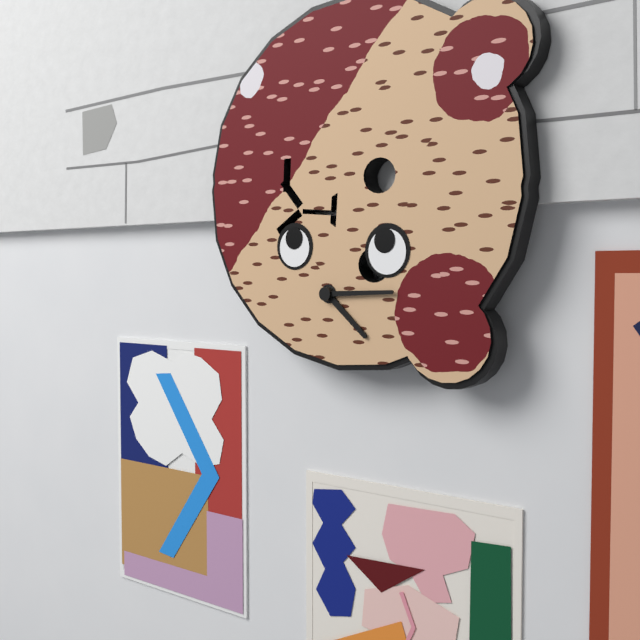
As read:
**4:14**
